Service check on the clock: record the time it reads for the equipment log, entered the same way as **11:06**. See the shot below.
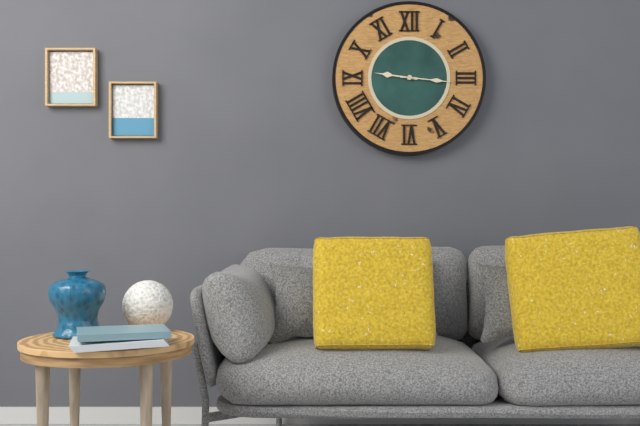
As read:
**9:16**
